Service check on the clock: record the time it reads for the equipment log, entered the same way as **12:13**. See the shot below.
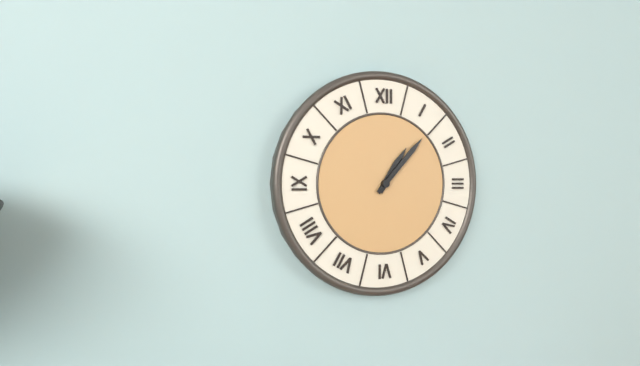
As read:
**1:07**
